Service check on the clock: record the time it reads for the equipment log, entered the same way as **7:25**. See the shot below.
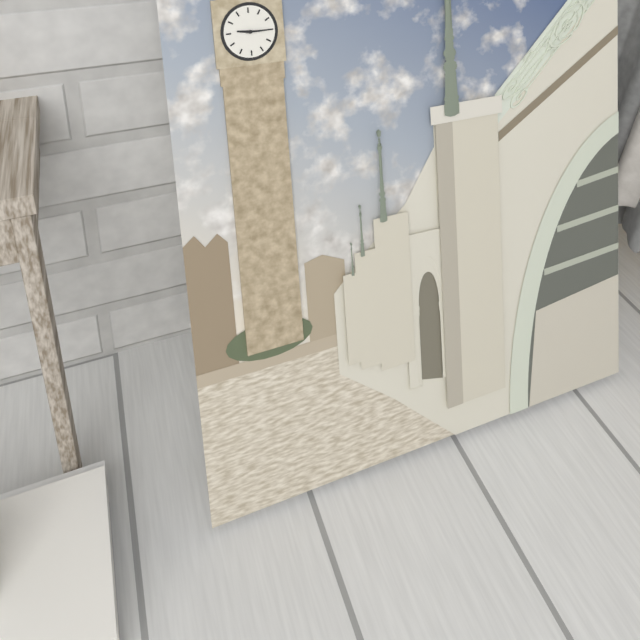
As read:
**9:15**
